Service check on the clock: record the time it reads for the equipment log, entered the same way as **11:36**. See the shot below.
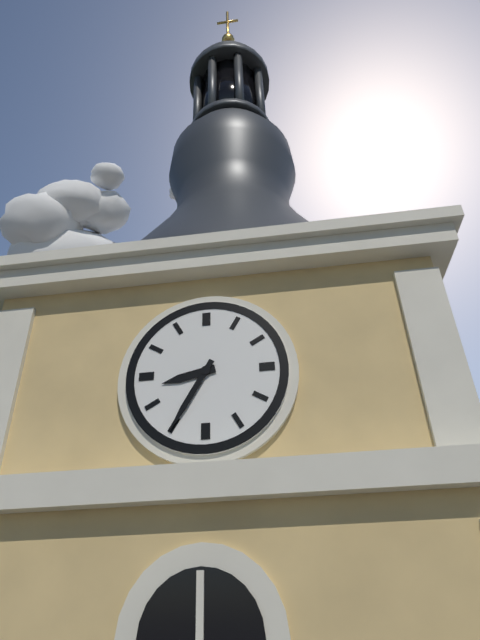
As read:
**8:35**
